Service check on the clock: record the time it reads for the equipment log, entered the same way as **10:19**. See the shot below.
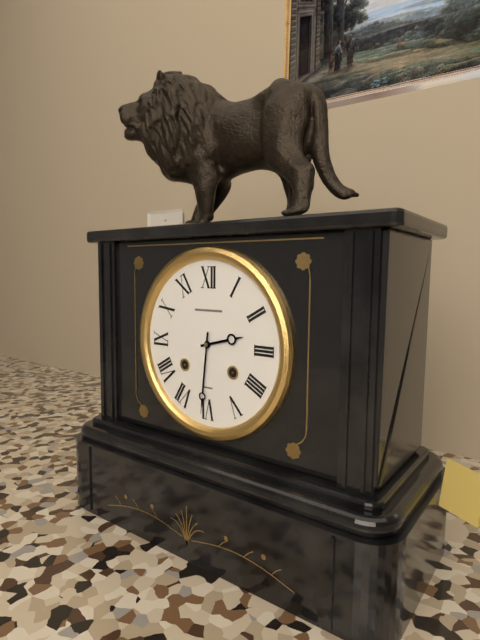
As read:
**2:31**
